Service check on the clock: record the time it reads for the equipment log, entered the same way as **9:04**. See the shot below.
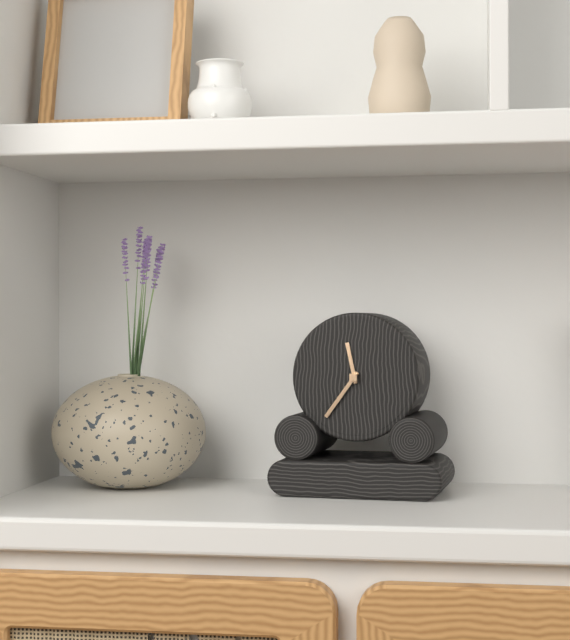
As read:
**11:36**
